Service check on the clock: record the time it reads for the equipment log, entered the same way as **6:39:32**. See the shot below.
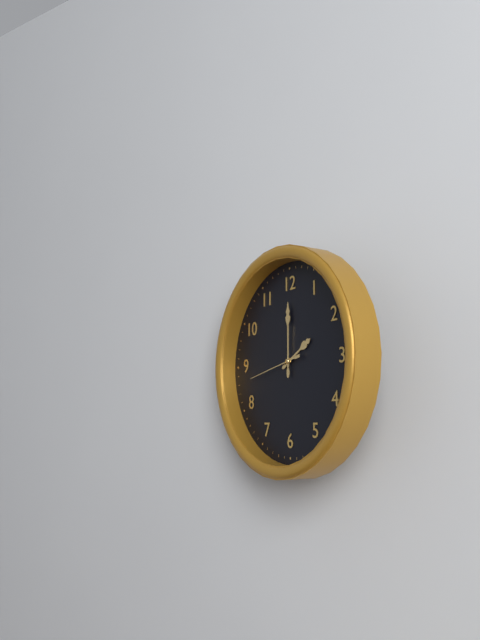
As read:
**2:00:43**
